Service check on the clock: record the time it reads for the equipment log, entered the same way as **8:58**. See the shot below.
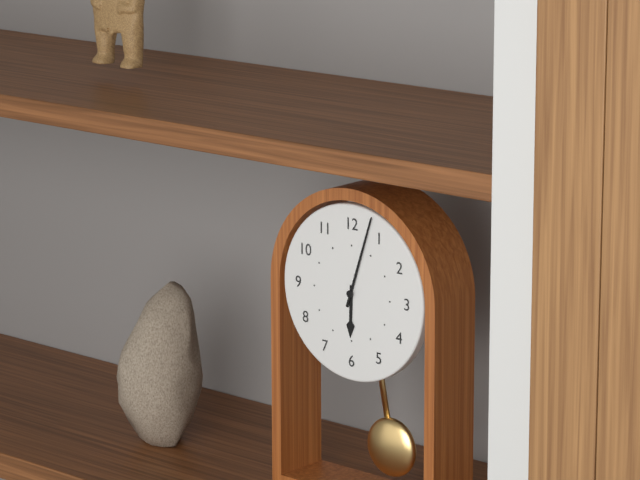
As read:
**6:03**
